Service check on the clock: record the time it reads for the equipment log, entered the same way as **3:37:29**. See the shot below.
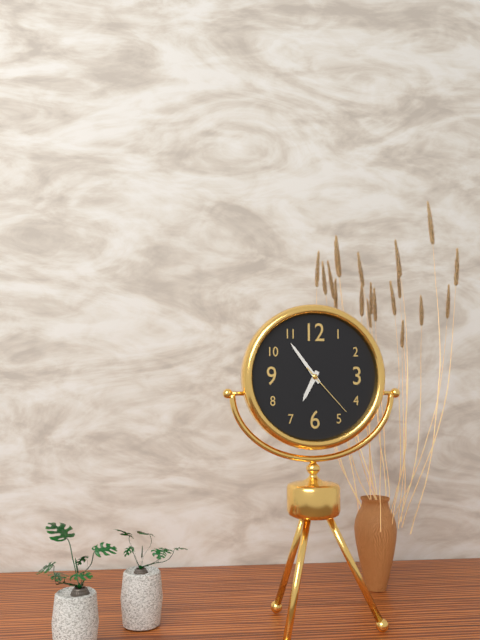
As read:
**6:54:23**
